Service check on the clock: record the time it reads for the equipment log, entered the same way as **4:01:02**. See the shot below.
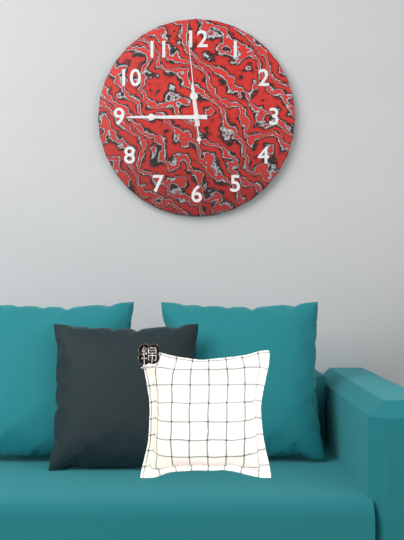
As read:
**11:45:59**
